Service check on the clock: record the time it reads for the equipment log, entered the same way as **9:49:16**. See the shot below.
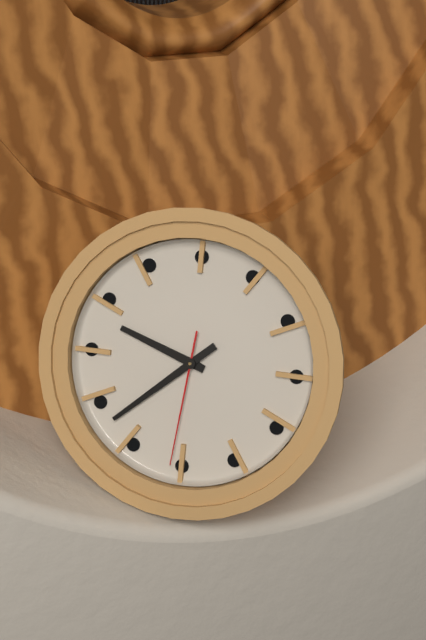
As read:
**9:38:31**
